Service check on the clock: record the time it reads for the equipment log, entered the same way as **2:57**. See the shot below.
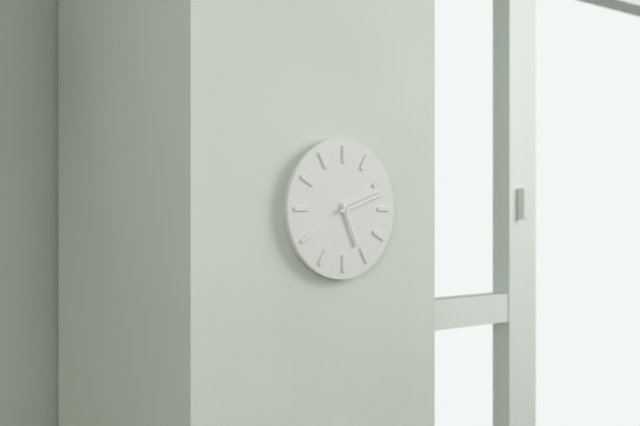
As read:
**5:12**
